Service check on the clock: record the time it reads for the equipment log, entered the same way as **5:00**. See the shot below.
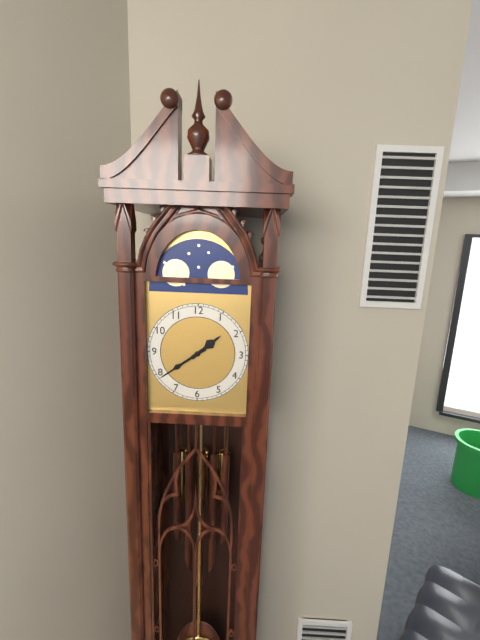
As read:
**1:39**
